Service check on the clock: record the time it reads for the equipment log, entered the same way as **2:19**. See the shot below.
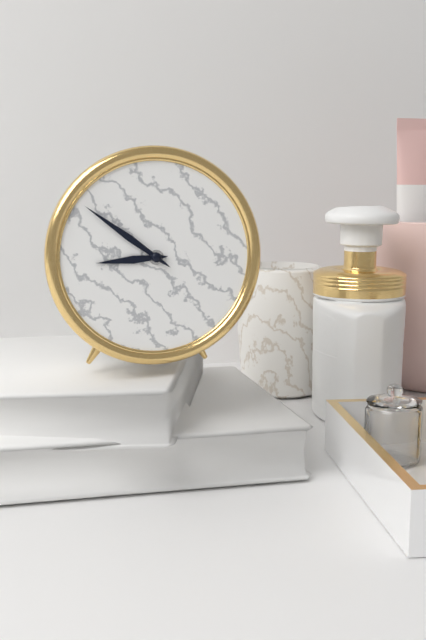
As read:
**8:51**
